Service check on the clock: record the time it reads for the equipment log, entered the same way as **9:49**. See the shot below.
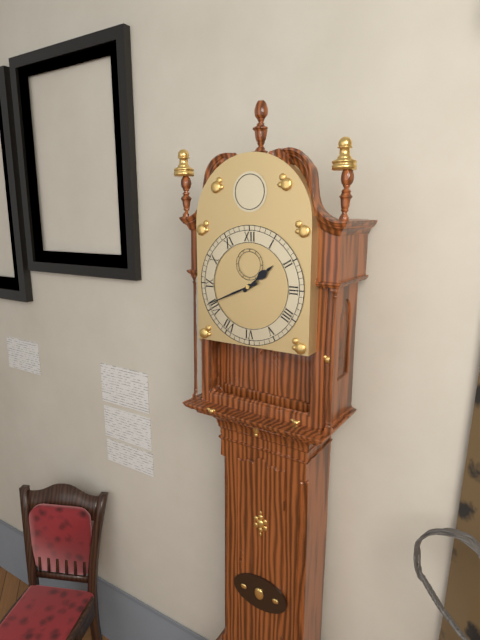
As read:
**1:41**
